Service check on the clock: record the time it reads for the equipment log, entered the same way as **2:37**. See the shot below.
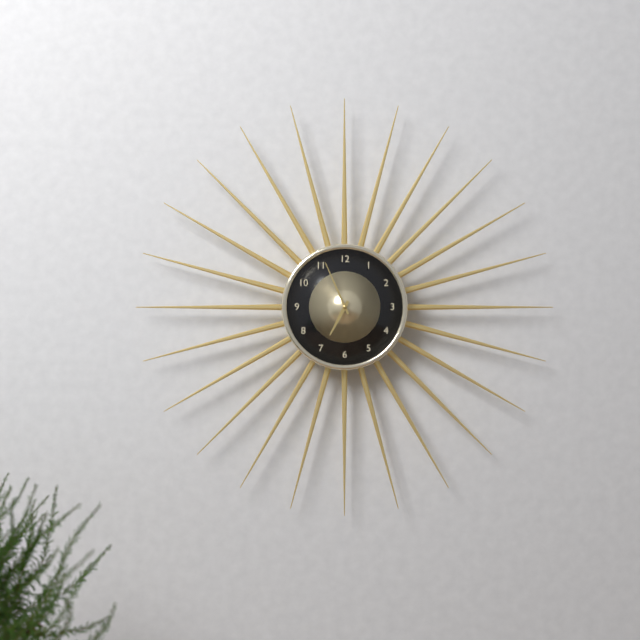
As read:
**6:56**
